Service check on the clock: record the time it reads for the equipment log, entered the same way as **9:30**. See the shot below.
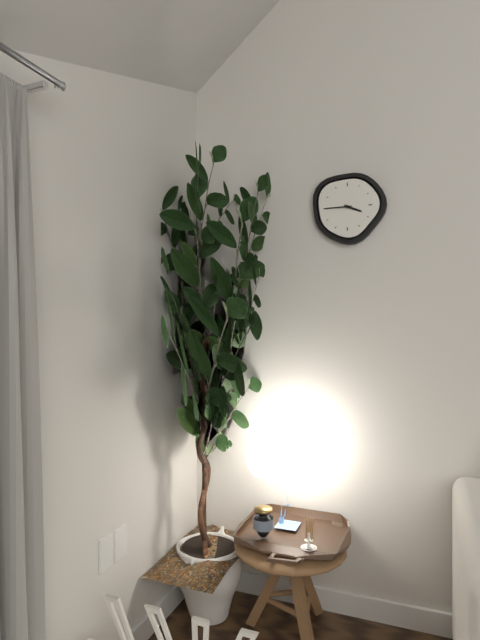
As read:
**3:45**
